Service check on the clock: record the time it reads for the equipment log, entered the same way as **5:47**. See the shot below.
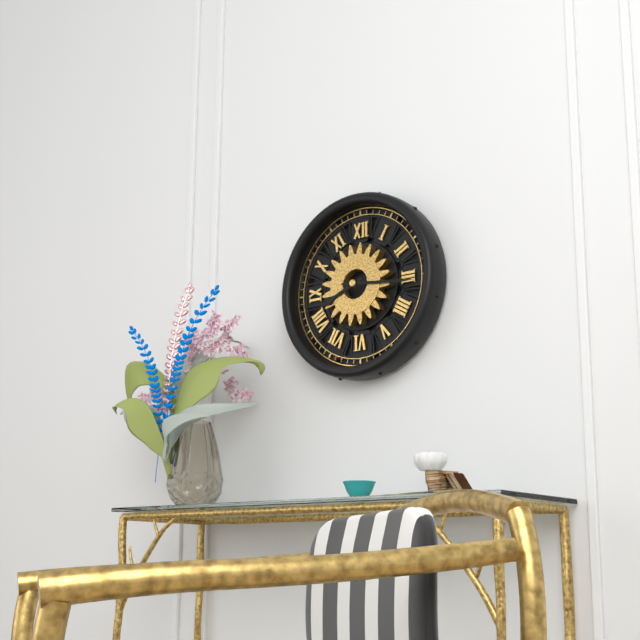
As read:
**8:16**
